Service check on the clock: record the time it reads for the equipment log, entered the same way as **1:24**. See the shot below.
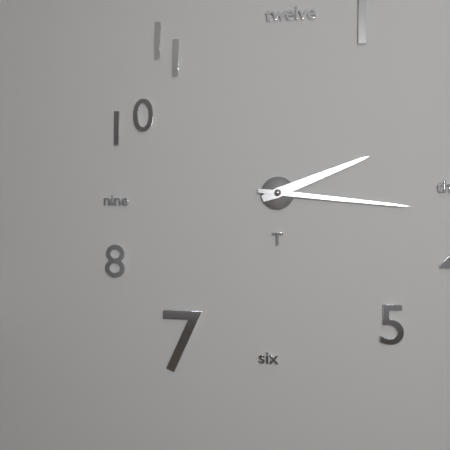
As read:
**2:16**
